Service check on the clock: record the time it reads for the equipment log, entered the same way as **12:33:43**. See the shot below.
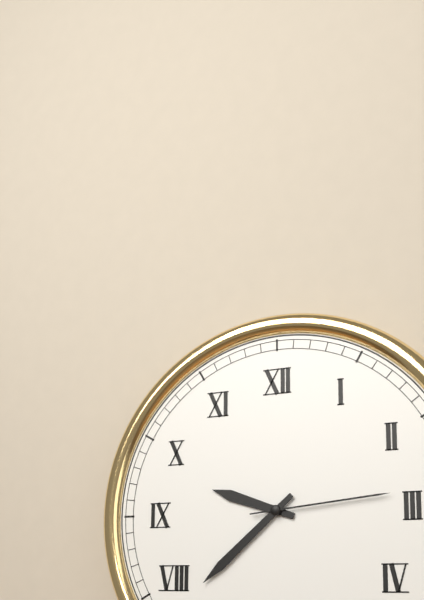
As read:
**9:38:14**
